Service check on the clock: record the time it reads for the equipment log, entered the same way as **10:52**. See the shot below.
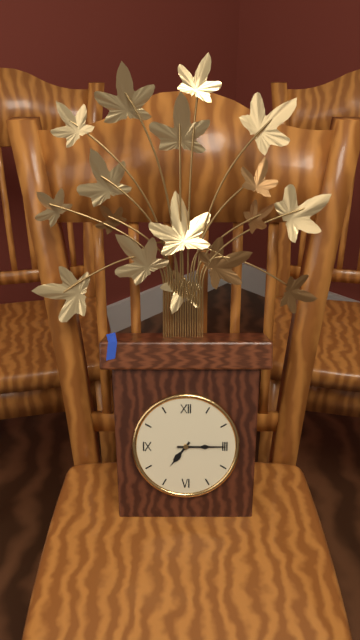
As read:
**7:15**
